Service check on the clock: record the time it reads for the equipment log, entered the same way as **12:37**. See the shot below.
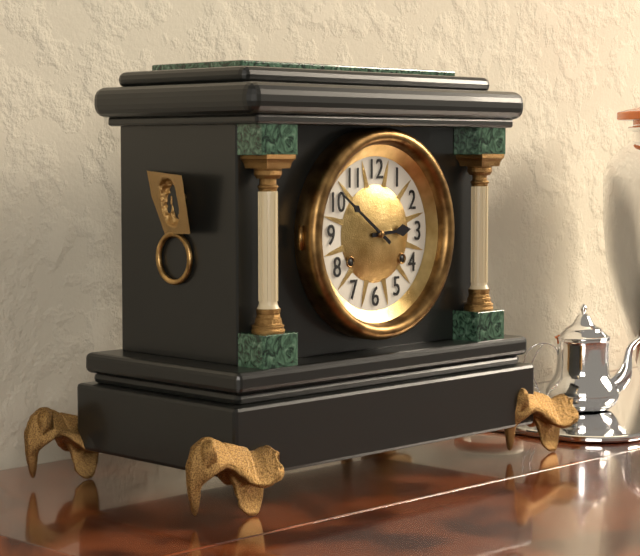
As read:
**2:51**
